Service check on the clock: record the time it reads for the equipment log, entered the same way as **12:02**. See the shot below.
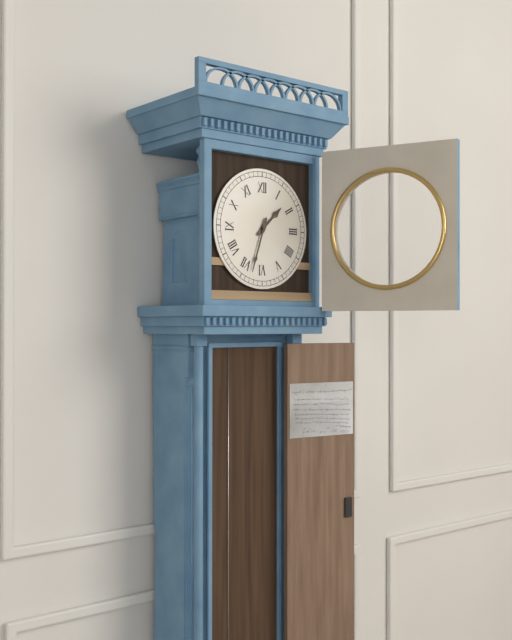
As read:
**1:33**
